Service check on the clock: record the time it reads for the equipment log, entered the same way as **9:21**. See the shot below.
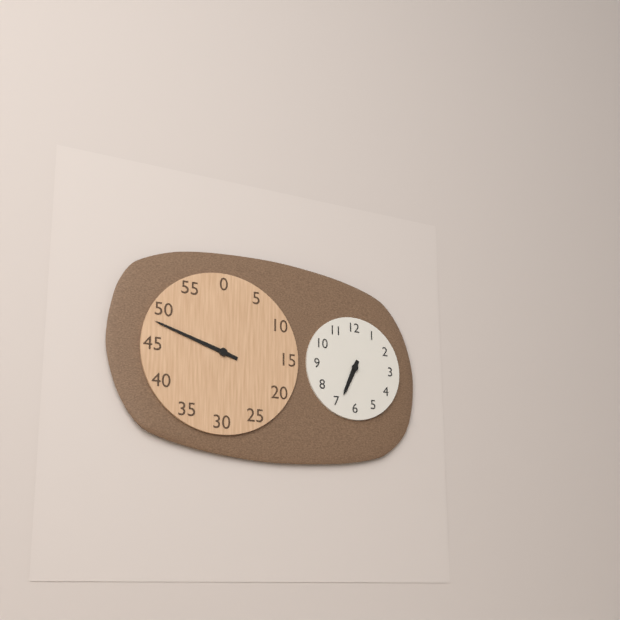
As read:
**6:48**
